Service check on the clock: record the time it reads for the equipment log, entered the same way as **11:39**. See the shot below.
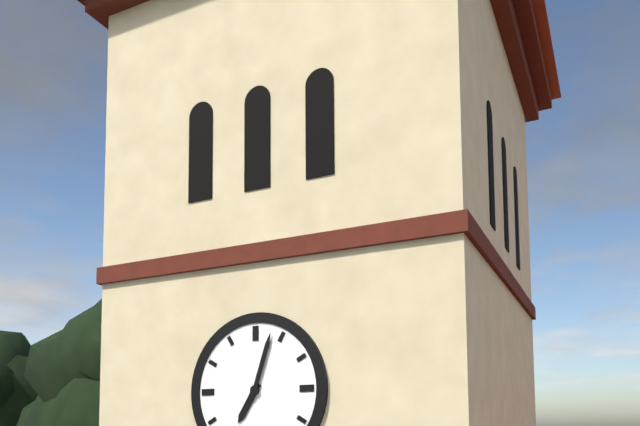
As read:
**7:03**
